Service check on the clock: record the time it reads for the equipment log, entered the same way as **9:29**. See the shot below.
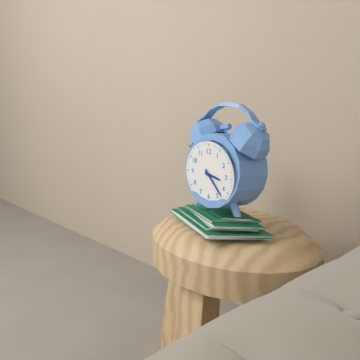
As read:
**3:23**
